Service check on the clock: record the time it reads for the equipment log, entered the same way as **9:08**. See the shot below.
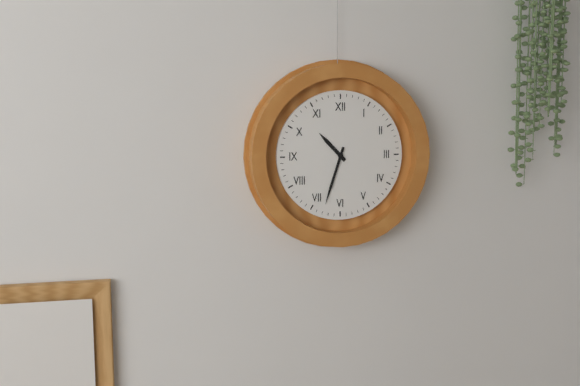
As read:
**10:33**
